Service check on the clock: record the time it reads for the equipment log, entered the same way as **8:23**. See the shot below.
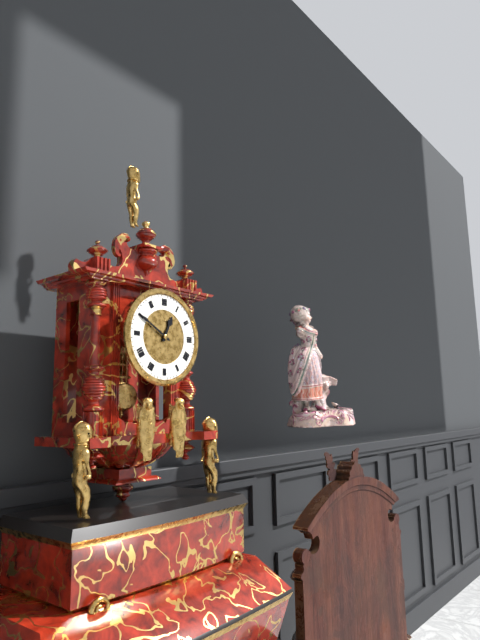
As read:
**12:50**
